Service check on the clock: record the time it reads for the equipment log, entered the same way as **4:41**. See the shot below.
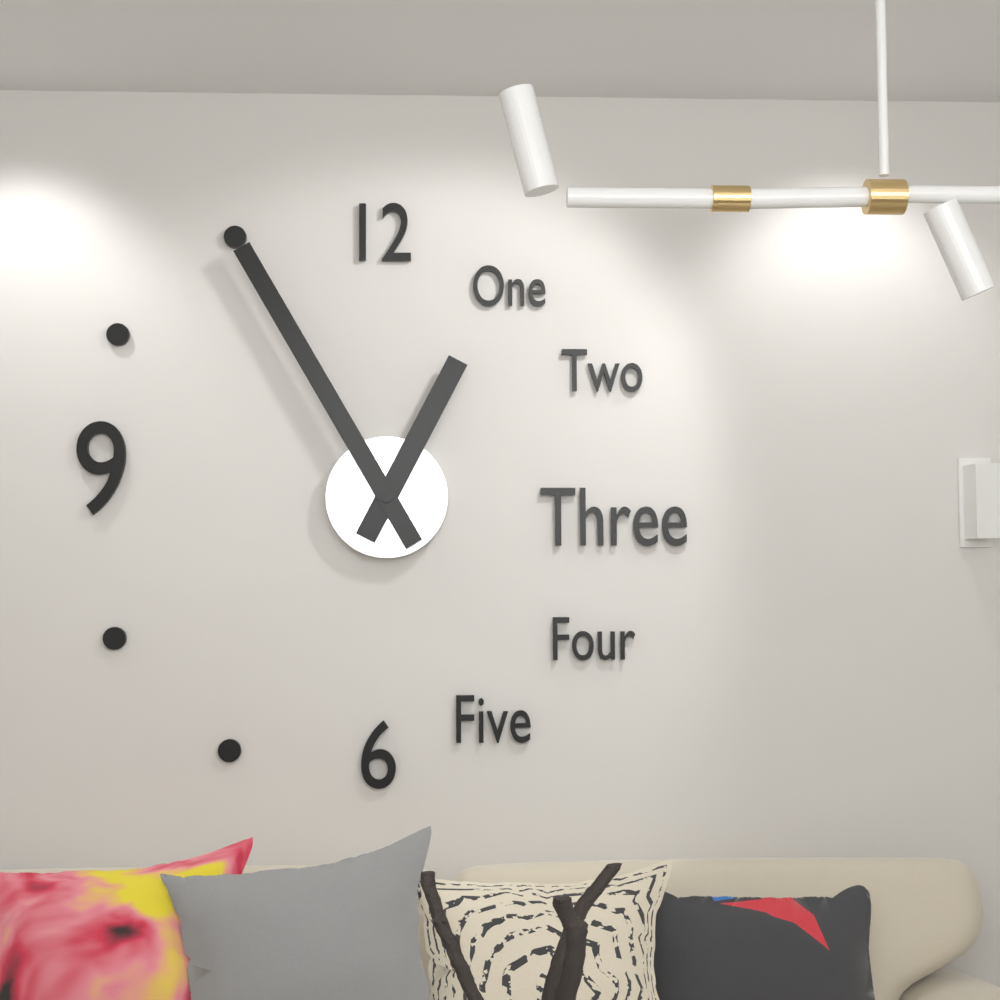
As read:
**12:55**
